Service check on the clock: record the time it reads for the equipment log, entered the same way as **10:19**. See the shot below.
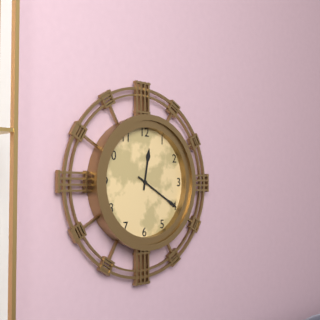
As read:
**12:20**
